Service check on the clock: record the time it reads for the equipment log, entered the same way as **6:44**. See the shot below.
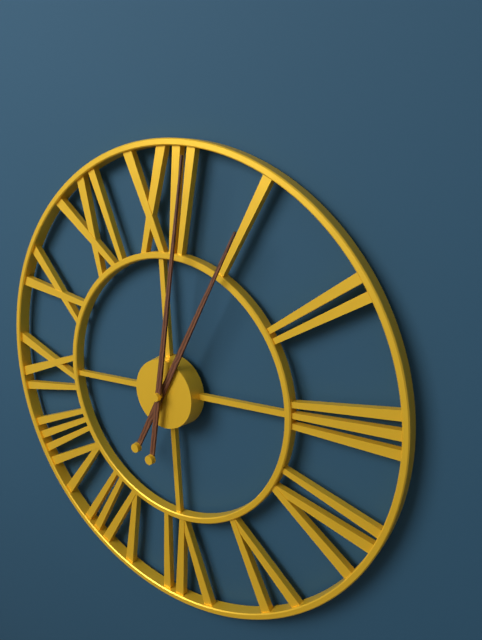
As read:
**1:02**
